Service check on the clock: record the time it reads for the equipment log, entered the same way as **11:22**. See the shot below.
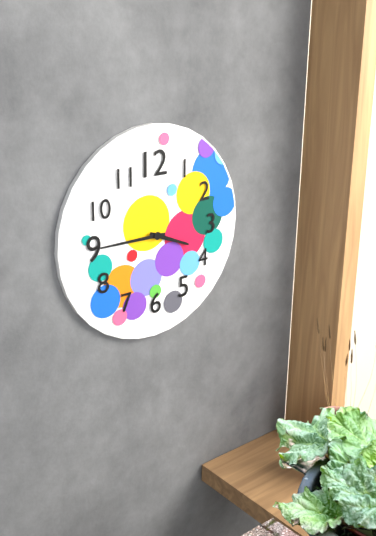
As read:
**3:45**
